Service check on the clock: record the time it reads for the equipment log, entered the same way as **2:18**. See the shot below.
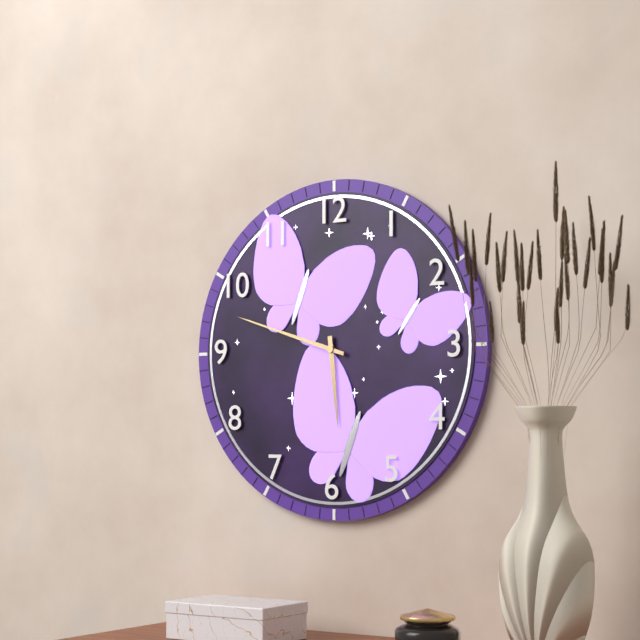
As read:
**5:48**
